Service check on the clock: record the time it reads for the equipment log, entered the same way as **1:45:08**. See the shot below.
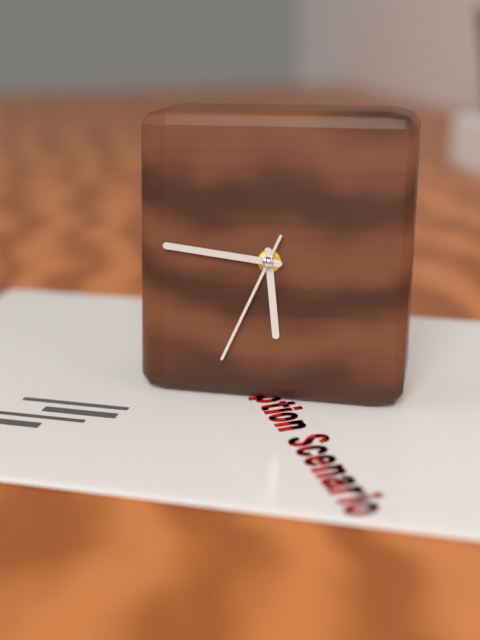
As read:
**5:46:34**
